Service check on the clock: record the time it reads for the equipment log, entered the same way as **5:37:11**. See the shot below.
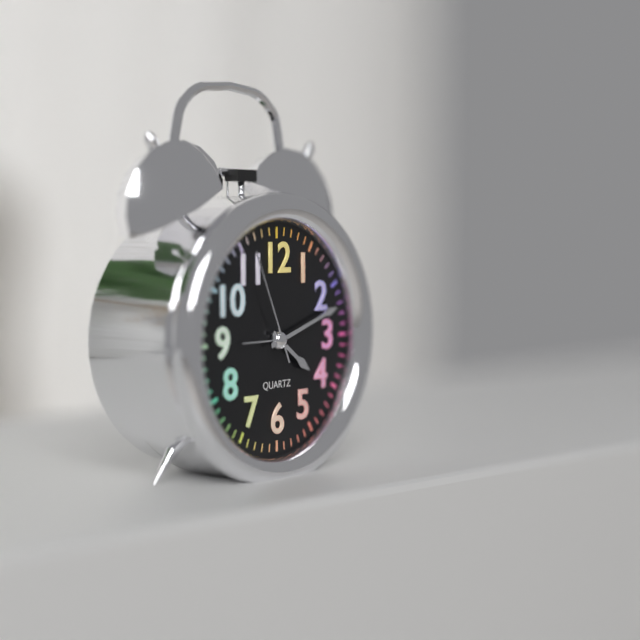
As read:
**4:12:56**
